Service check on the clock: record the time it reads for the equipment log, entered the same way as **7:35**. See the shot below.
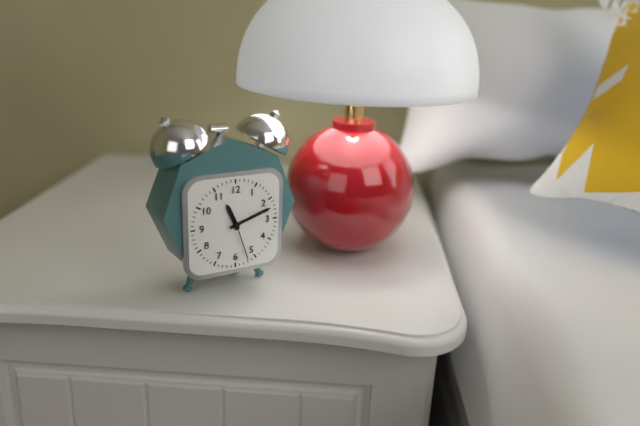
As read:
**11:12**
